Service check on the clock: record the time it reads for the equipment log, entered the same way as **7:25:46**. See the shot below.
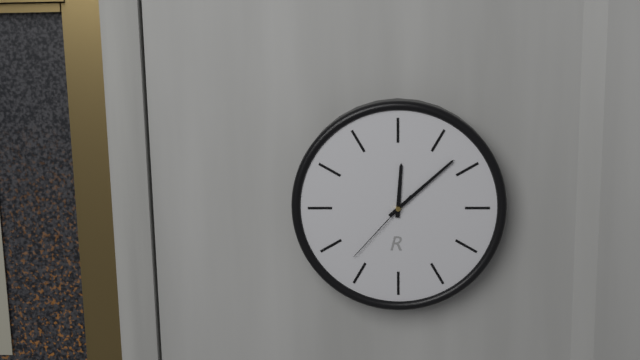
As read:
**12:08:37**
